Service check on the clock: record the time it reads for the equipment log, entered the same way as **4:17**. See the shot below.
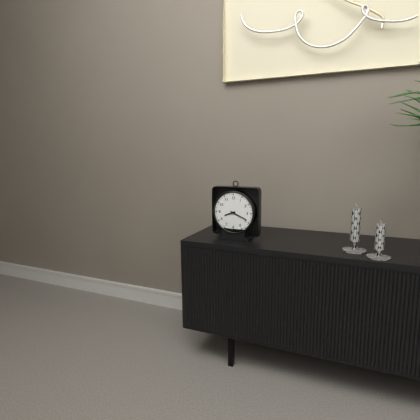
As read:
**8:19**
